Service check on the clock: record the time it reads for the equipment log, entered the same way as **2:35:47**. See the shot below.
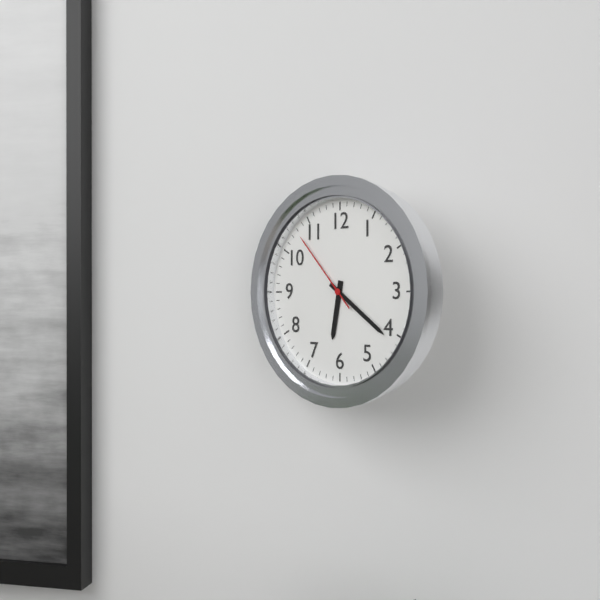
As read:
**6:21:53**
